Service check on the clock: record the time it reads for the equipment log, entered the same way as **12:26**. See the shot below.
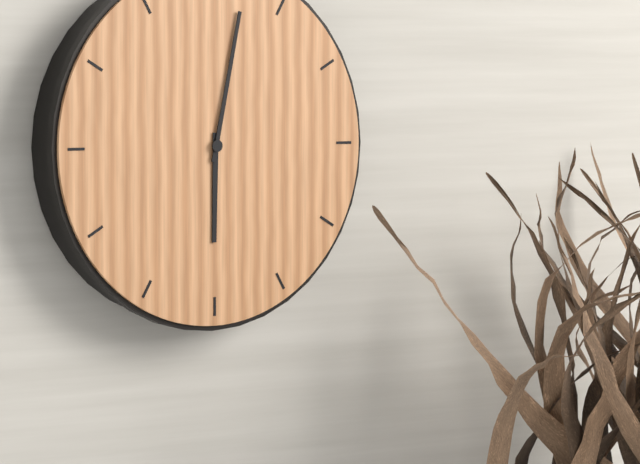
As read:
**6:02**
